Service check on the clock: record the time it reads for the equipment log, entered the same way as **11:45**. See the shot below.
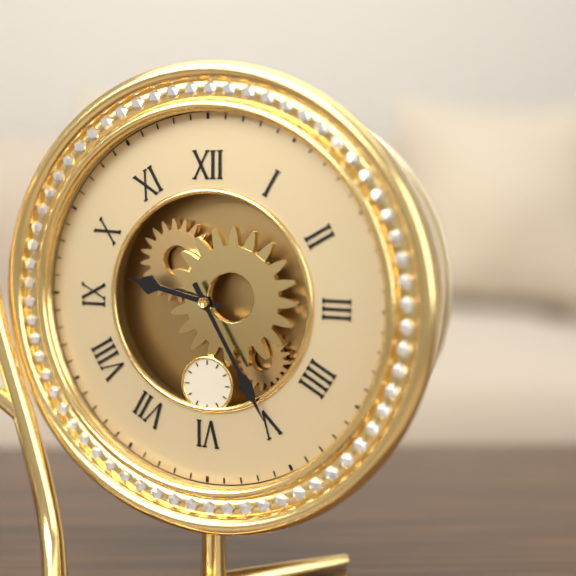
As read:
**9:25**
